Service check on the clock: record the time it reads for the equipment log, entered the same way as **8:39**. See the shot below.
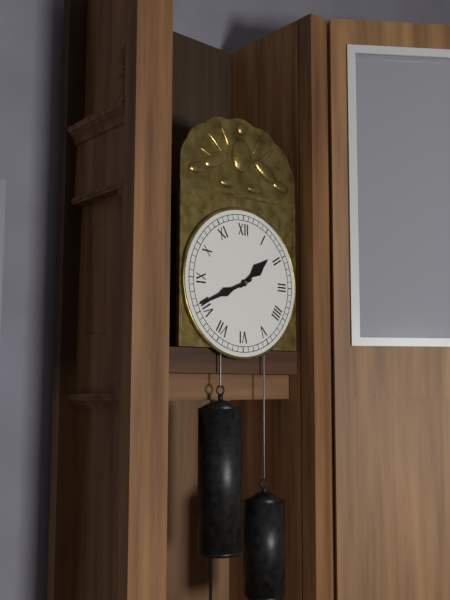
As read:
**1:41**
